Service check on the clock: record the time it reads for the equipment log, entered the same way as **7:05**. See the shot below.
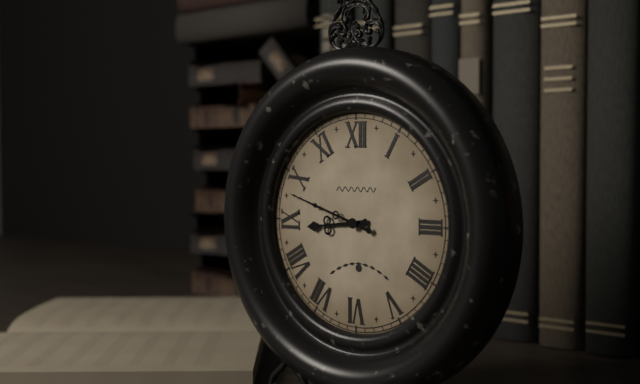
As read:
**8:48**
